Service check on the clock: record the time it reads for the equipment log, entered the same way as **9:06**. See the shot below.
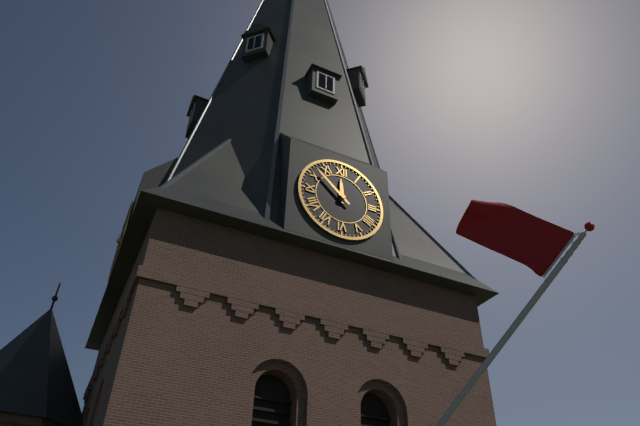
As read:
**11:52**
